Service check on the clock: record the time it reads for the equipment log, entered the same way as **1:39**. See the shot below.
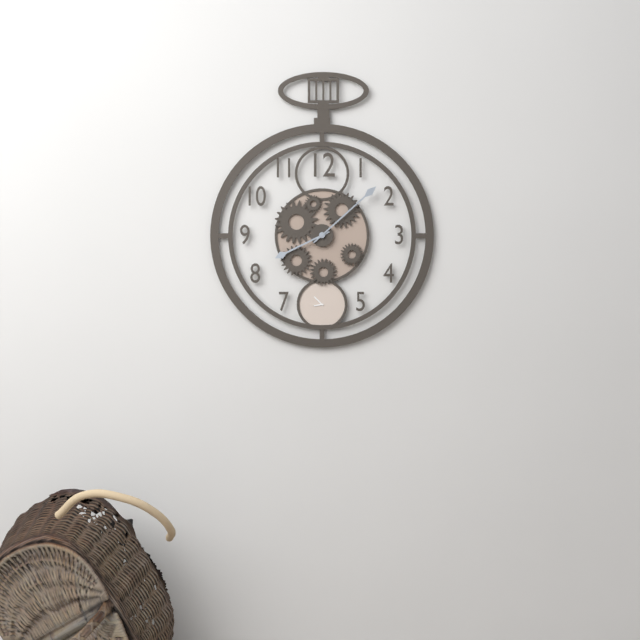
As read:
**8:08**
